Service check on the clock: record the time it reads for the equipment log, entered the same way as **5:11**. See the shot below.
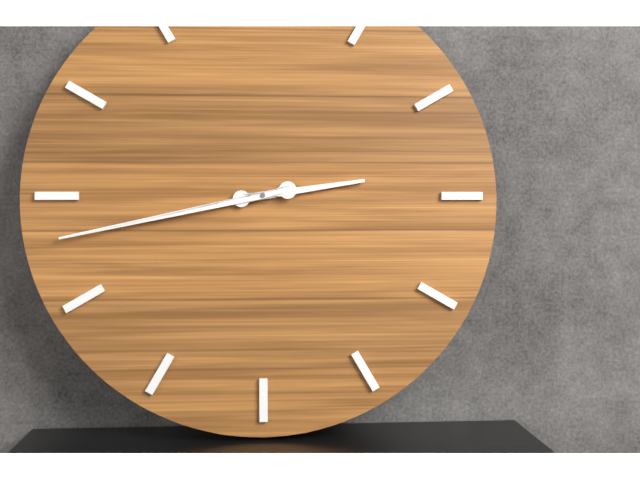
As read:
**2:43**
